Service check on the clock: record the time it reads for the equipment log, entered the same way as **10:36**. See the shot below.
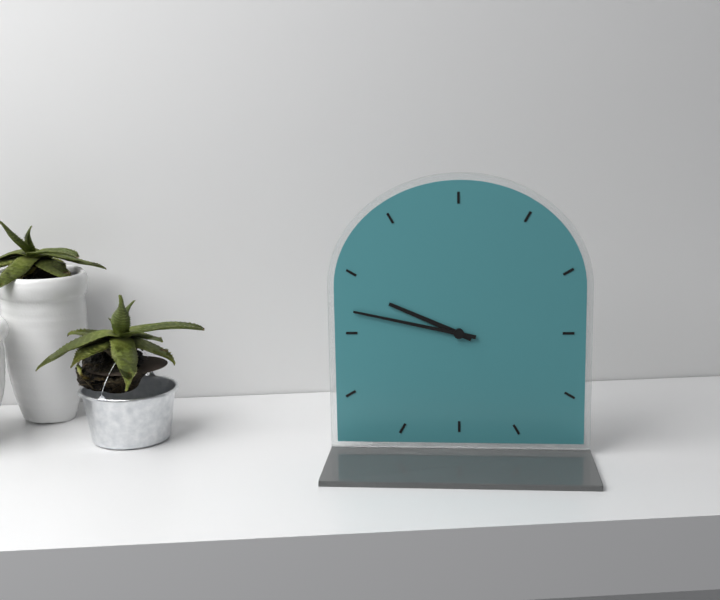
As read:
**9:47**
